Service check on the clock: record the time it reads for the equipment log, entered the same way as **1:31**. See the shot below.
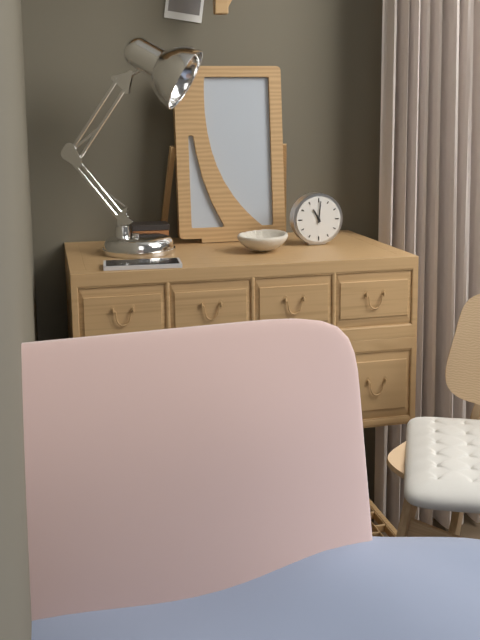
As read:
**11:01**
